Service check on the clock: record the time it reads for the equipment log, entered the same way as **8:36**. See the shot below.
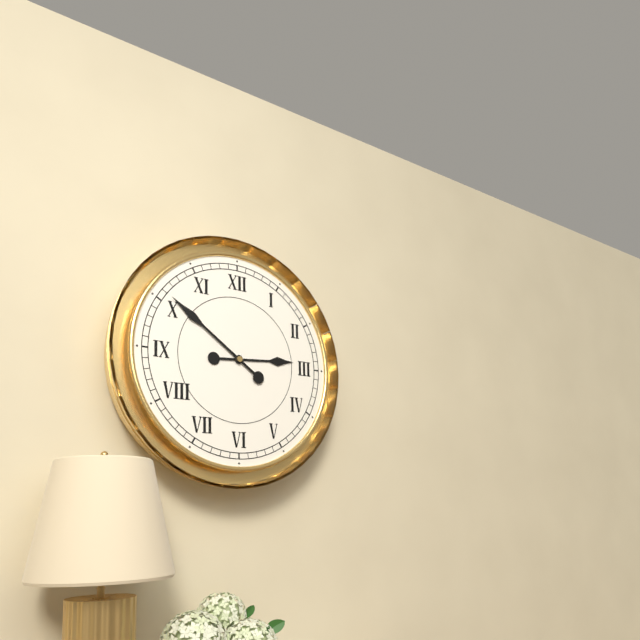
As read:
**2:51**
